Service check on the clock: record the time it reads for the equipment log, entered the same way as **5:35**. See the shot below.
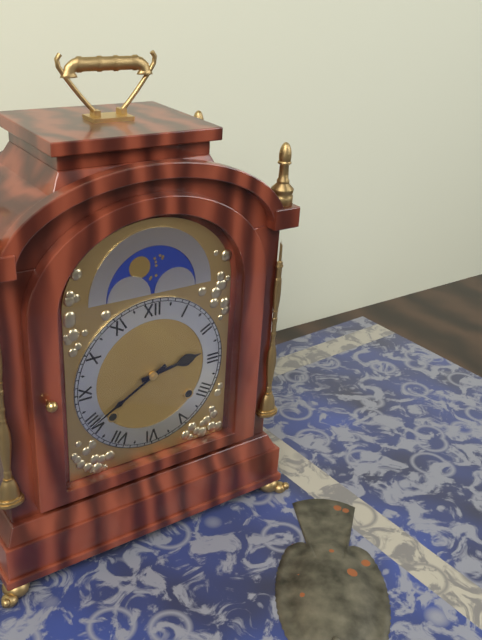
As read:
**2:40**
